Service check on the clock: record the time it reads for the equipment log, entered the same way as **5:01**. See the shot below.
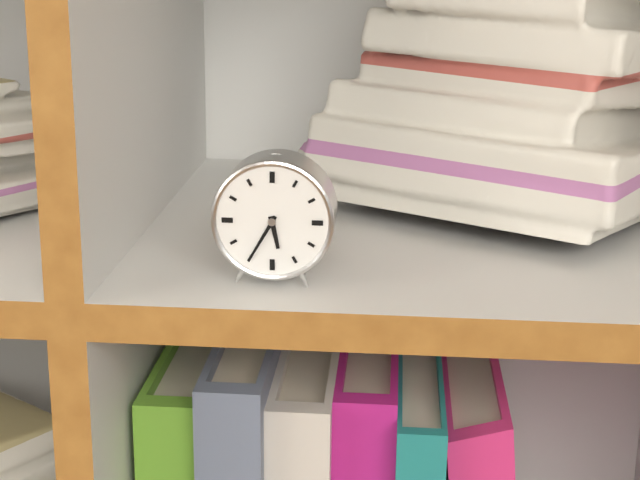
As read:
**5:35**
